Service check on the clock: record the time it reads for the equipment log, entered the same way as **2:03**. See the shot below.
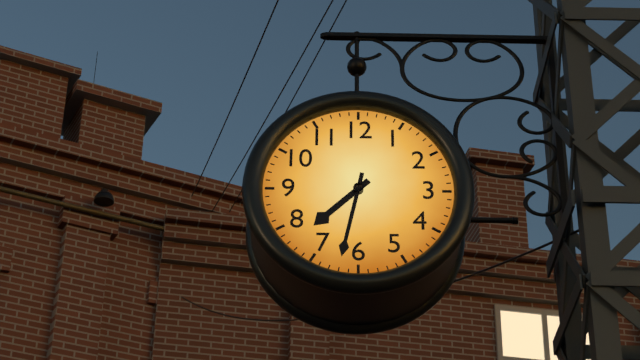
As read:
**7:32**
